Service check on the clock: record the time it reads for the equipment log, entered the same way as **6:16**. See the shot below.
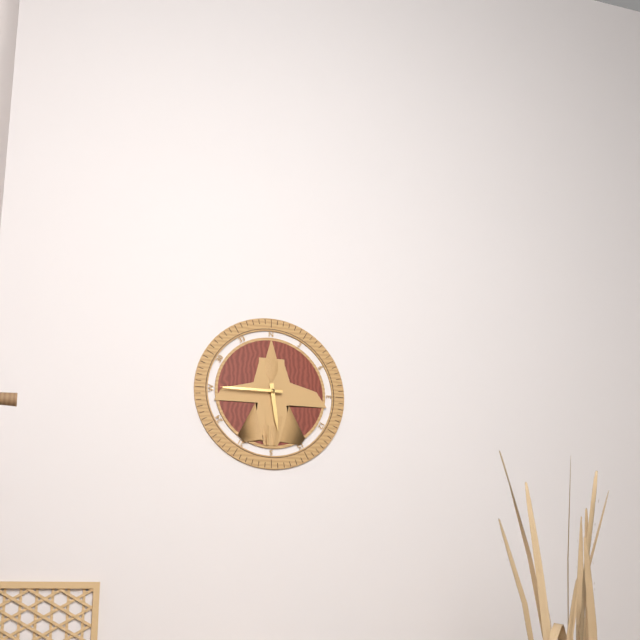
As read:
**5:45**
